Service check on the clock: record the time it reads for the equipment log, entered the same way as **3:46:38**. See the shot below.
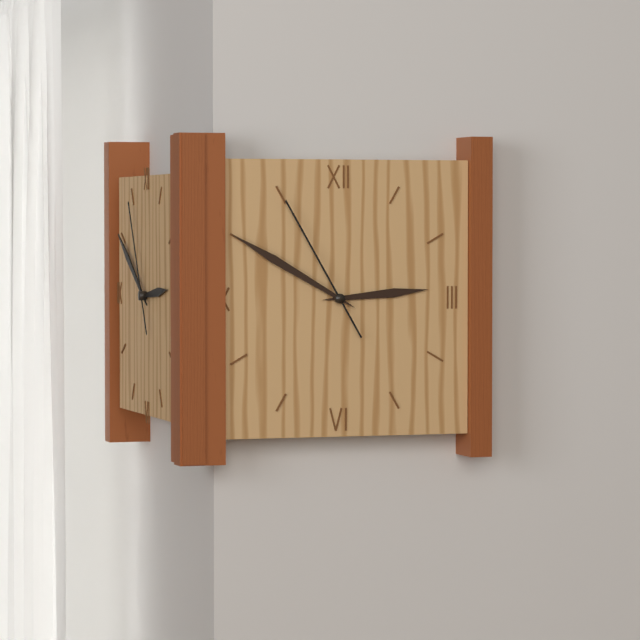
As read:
**2:50:55**
